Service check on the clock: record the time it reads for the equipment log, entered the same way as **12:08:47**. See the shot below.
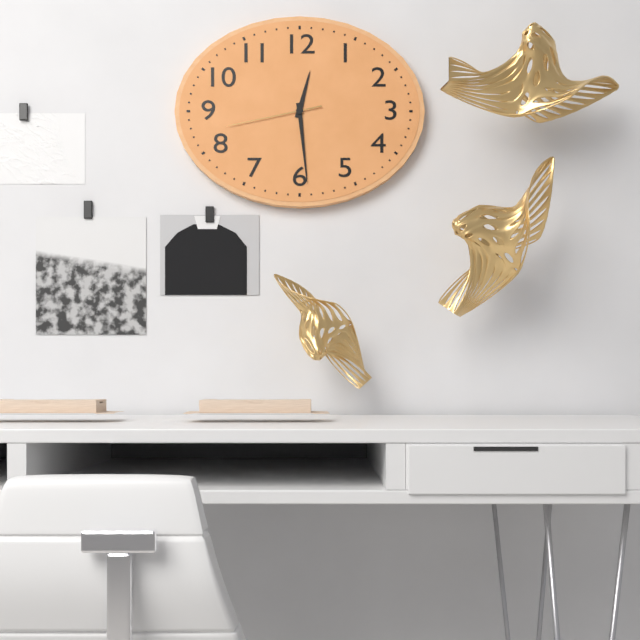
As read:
**12:29:43**
